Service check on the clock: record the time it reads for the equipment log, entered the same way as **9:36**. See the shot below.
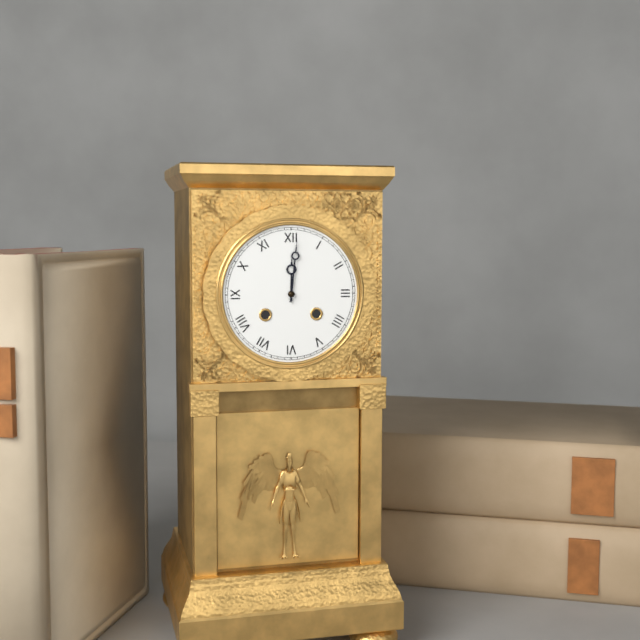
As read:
**12:01**
